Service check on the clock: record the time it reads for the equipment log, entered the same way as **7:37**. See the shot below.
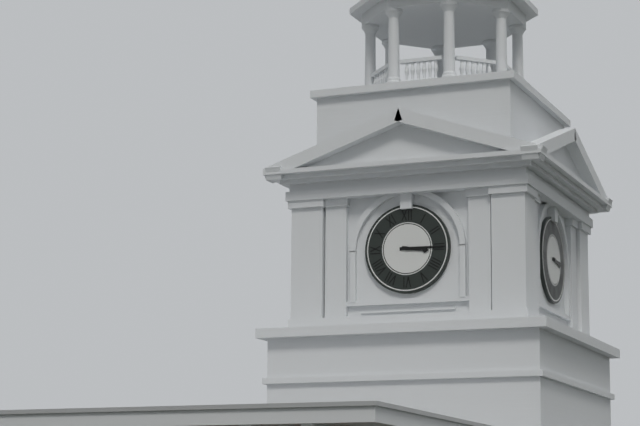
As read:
**3:15**
